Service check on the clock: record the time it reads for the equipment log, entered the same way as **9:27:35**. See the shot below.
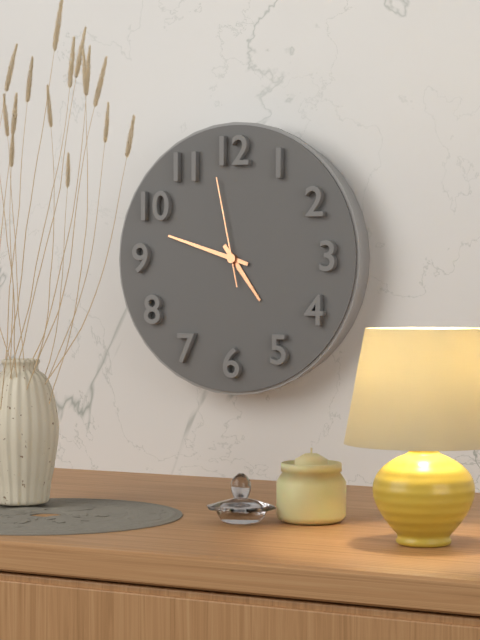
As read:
**4:48:58**
